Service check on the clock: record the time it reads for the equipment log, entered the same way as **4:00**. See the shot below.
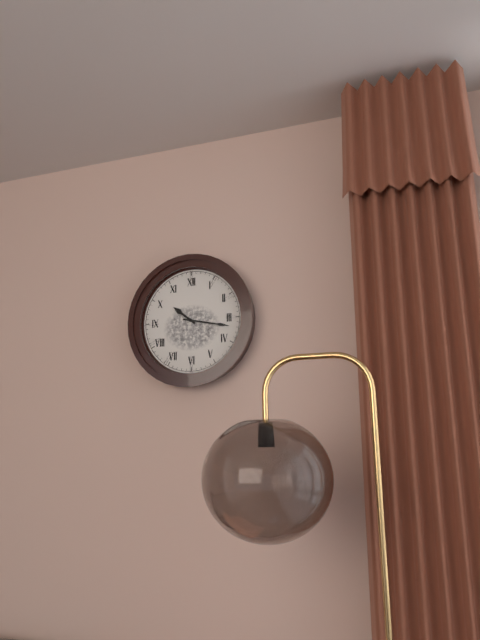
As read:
**10:17**
